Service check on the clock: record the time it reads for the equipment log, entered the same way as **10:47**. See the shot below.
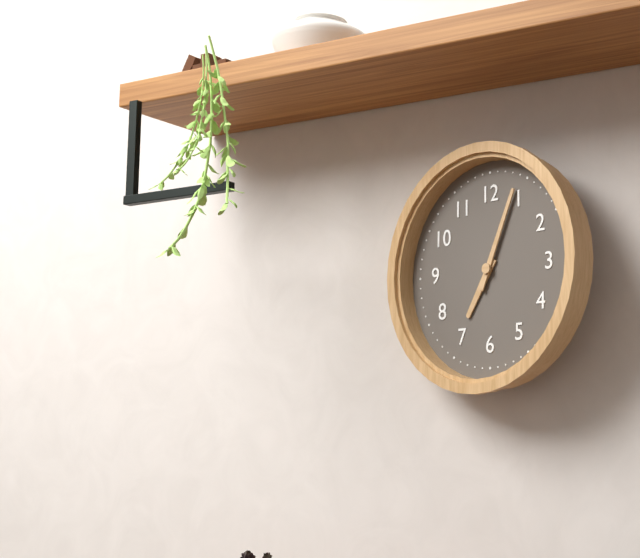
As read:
**7:04**
